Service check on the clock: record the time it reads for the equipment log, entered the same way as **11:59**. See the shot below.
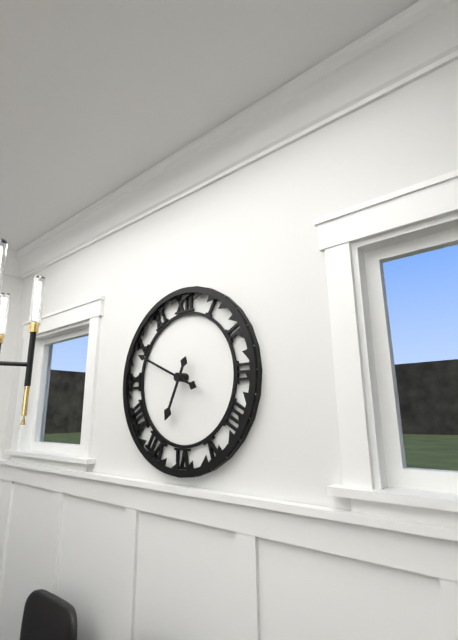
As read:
**6:49**
